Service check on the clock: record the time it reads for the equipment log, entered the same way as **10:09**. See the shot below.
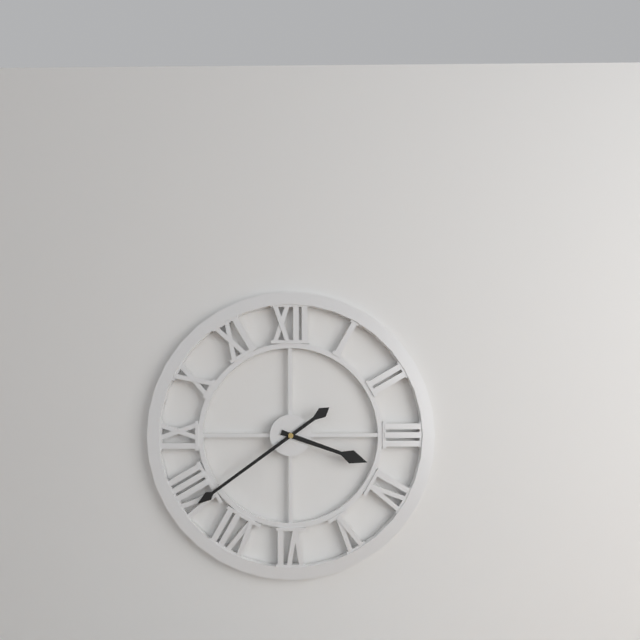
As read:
**3:39**
